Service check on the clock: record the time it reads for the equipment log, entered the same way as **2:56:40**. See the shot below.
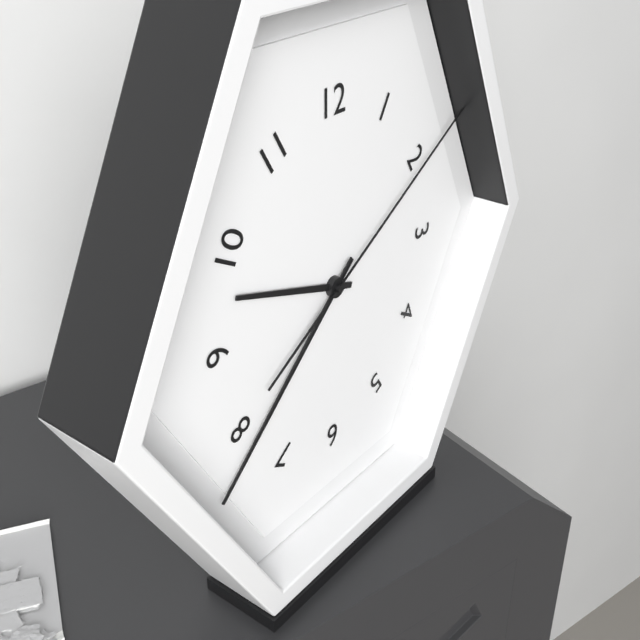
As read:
**9:38:10**
